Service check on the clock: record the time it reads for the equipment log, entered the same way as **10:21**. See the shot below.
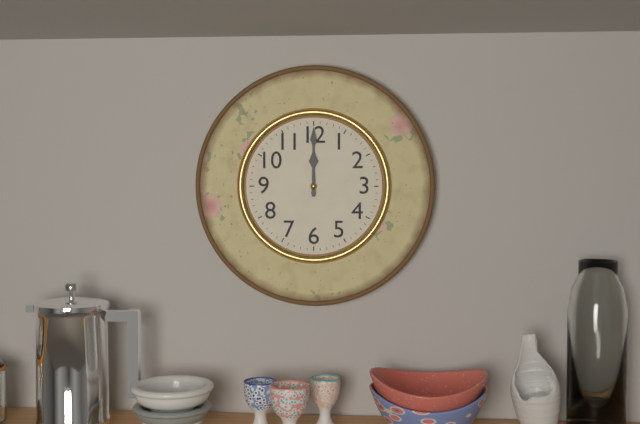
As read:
**12:00**
